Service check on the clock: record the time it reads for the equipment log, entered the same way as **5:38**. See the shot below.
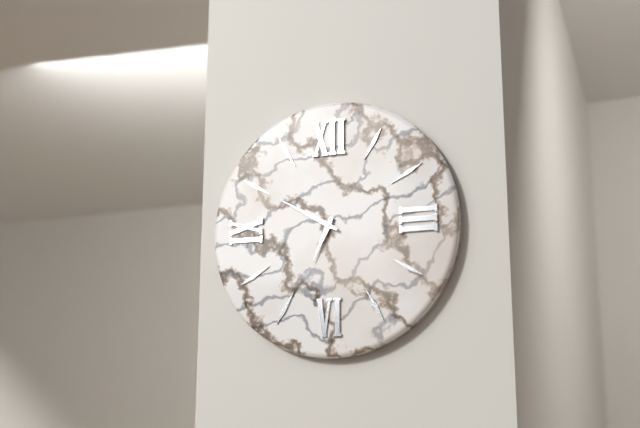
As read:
**6:50**
